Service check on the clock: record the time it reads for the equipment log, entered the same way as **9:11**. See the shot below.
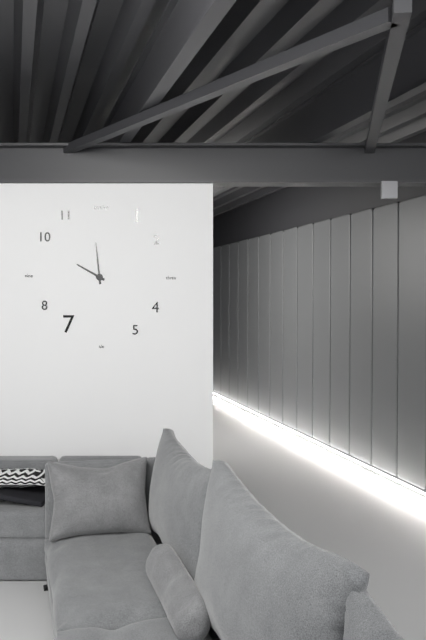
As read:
**9:59**
